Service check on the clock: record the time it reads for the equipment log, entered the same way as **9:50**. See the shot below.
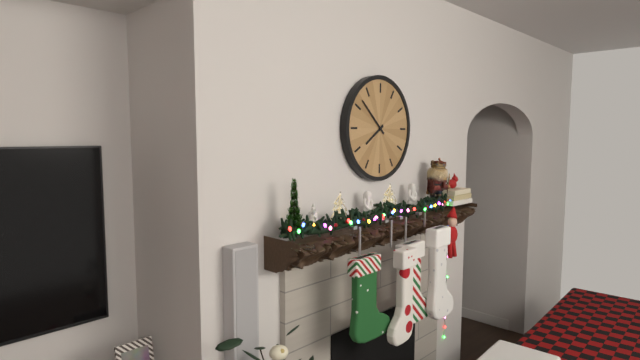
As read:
**7:52**
